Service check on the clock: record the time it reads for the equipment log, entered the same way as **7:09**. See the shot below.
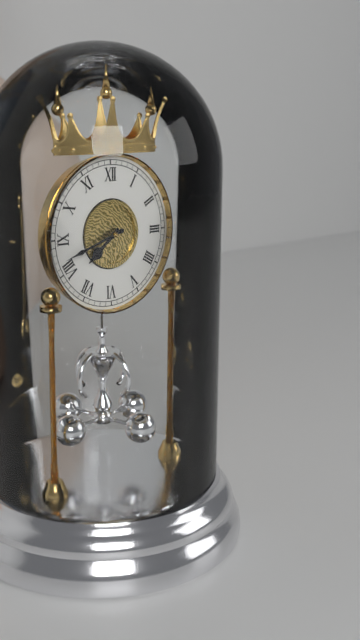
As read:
**7:42**
